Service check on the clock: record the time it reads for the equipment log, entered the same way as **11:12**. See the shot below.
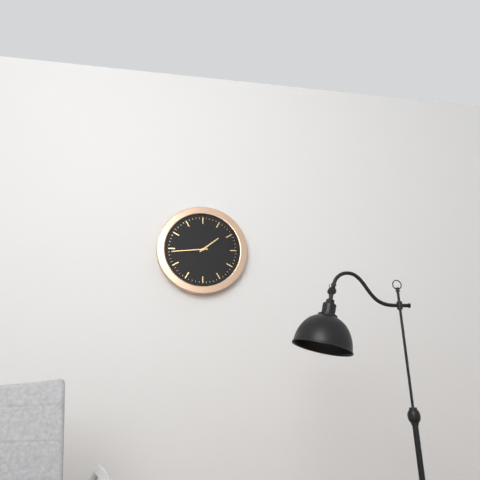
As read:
**1:44**
